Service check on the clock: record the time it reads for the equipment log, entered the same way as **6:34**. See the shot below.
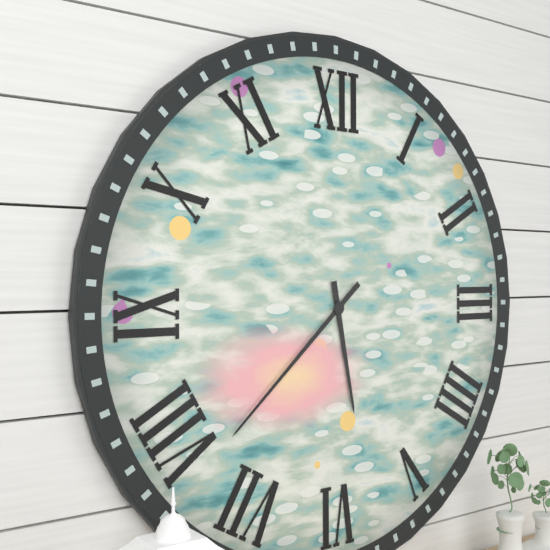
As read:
**5:38**
